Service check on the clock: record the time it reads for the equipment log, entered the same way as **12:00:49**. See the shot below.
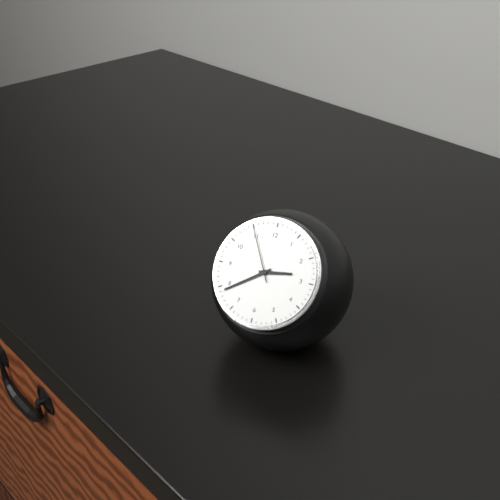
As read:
**2:39:55**
